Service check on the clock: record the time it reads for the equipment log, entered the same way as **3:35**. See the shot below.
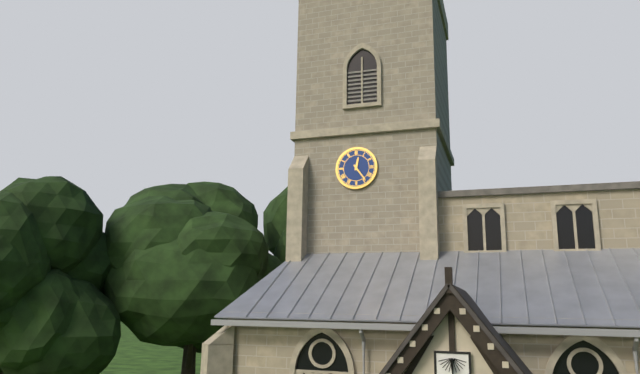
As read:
**12:24**
